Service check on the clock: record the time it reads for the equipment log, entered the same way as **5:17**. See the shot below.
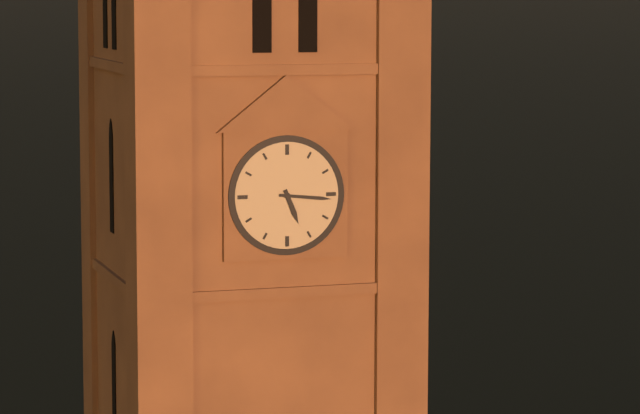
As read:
**5:16**
